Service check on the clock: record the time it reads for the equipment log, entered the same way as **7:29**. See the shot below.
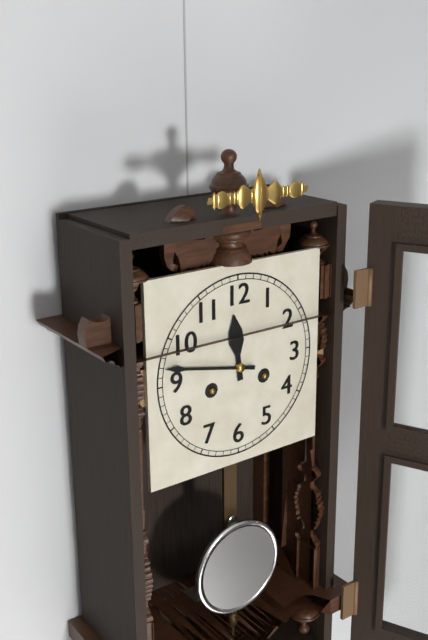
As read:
**11:47**
